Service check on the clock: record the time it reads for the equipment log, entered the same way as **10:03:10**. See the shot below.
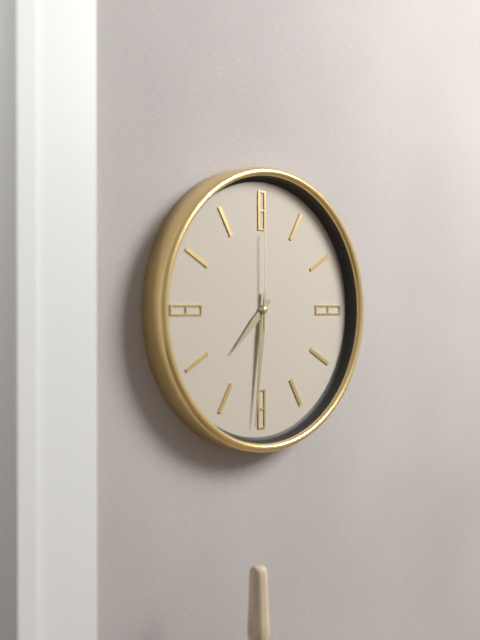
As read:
**7:31:00**
